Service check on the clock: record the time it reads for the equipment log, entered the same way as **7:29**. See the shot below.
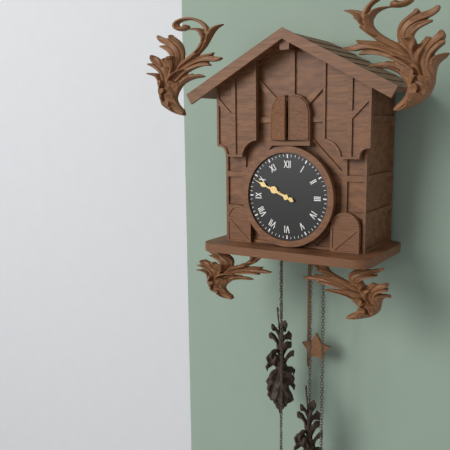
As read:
**9:49**
